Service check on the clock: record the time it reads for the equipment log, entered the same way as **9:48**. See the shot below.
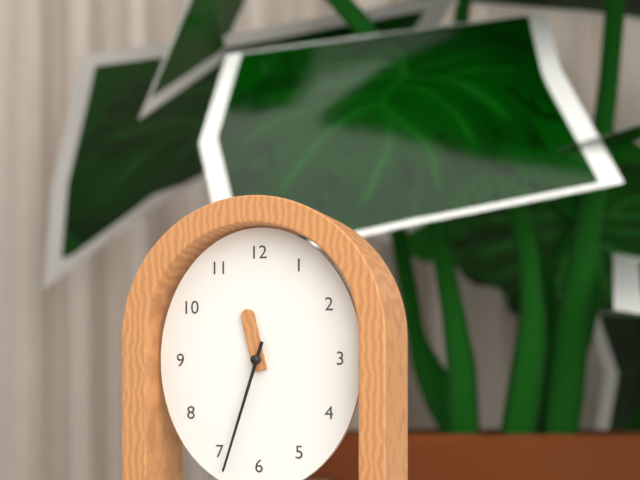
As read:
**11:33**
